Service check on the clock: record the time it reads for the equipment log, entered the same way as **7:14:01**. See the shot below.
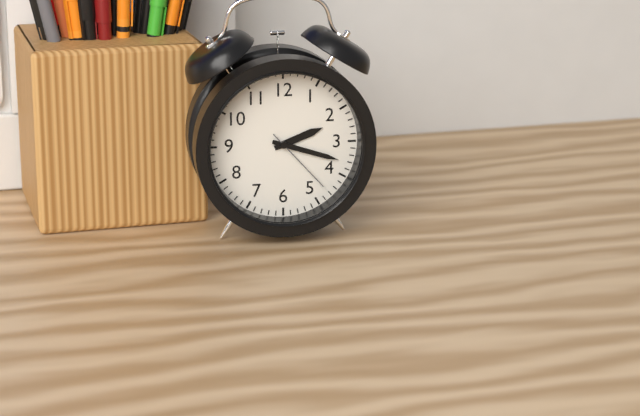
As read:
**2:18:23**
